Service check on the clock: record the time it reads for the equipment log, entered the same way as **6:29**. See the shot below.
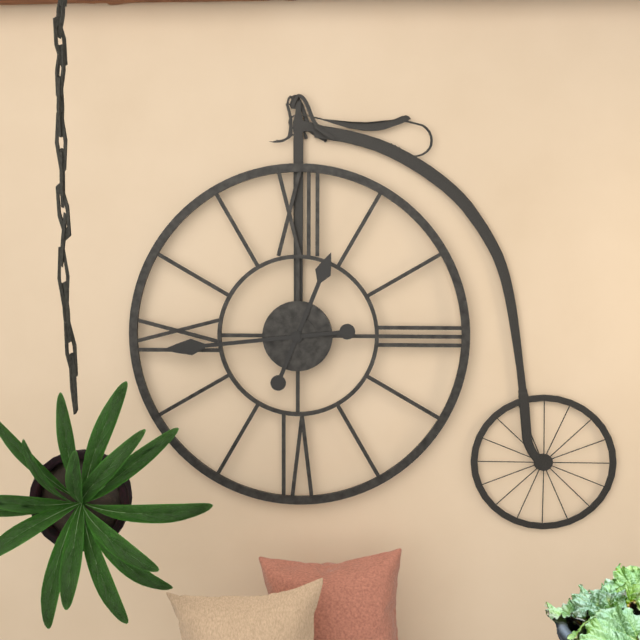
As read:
**12:44**
